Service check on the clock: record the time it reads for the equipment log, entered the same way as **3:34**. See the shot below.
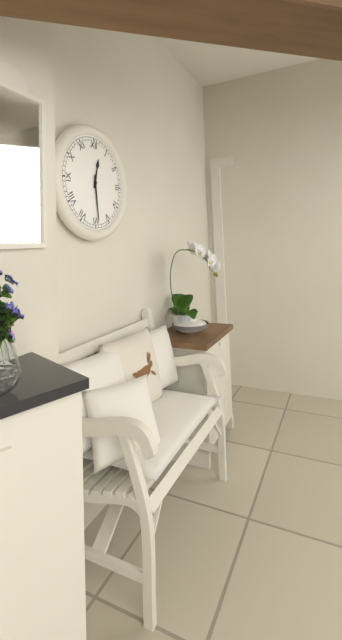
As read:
**12:29**
